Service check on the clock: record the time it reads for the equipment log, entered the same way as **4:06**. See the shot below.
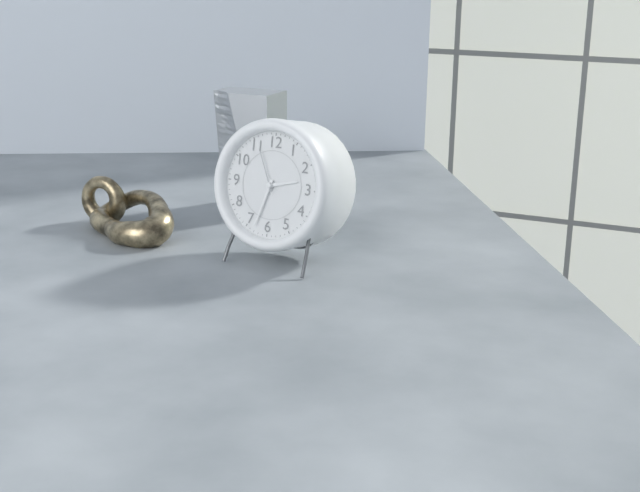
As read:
**2:33**
